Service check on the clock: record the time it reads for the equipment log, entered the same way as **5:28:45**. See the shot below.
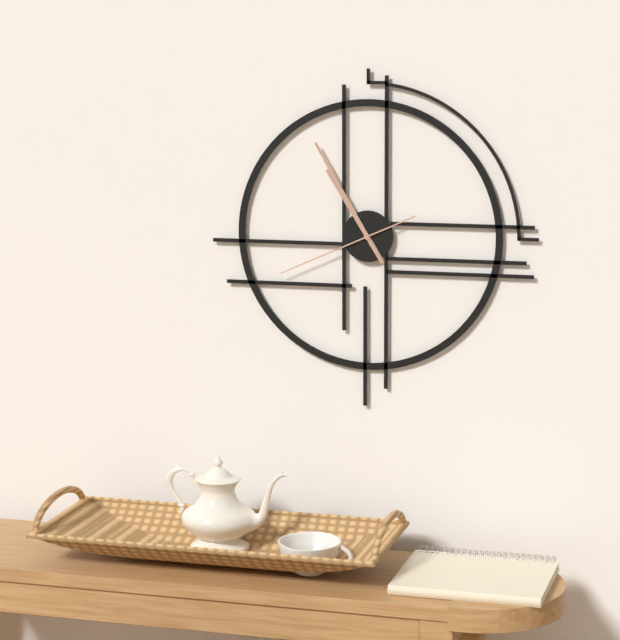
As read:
**10:55:41**
